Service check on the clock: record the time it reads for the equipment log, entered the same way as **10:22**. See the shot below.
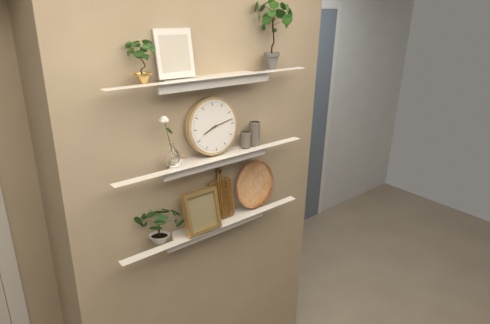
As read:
**8:13**
